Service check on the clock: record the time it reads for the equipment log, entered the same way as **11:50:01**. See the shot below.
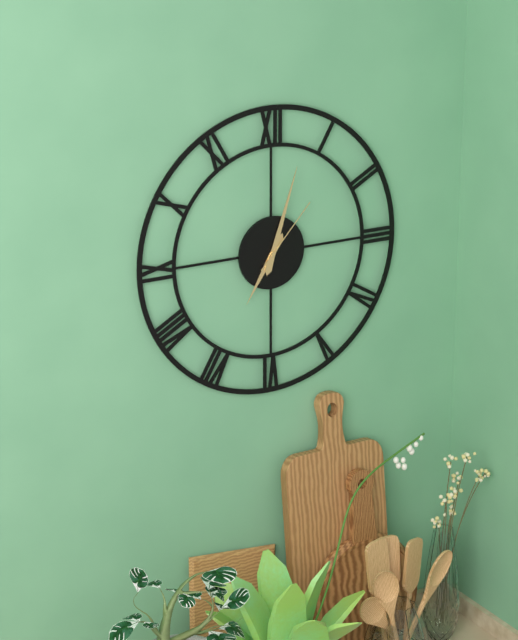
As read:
**7:03:07**
